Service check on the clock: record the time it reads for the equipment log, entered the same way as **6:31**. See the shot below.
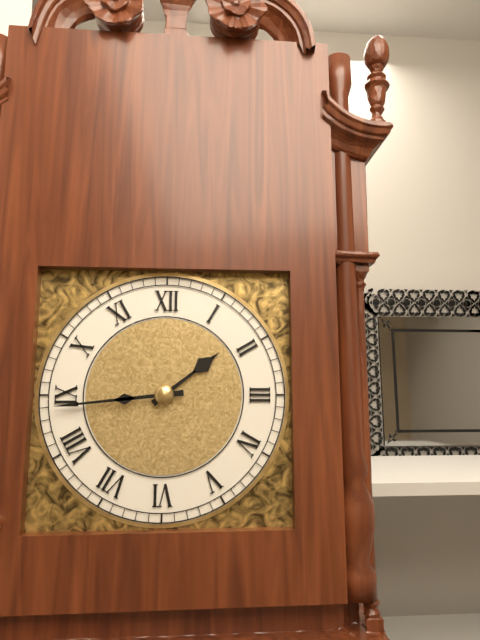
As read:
**1:44**
